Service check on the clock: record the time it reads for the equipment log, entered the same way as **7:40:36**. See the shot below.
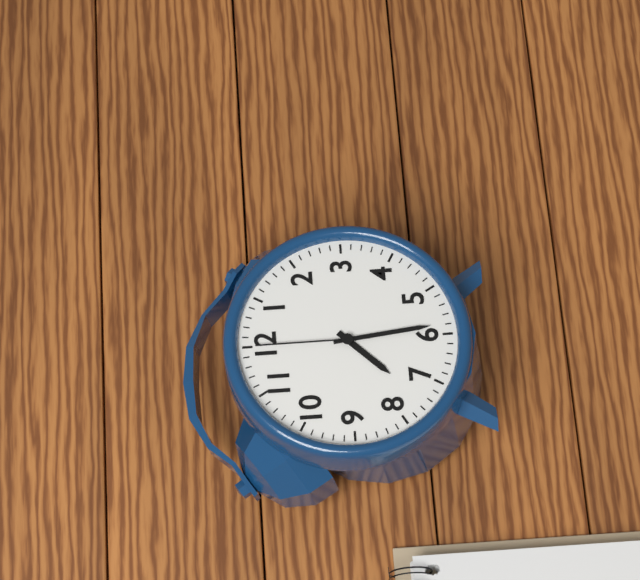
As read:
**7:29:00**
